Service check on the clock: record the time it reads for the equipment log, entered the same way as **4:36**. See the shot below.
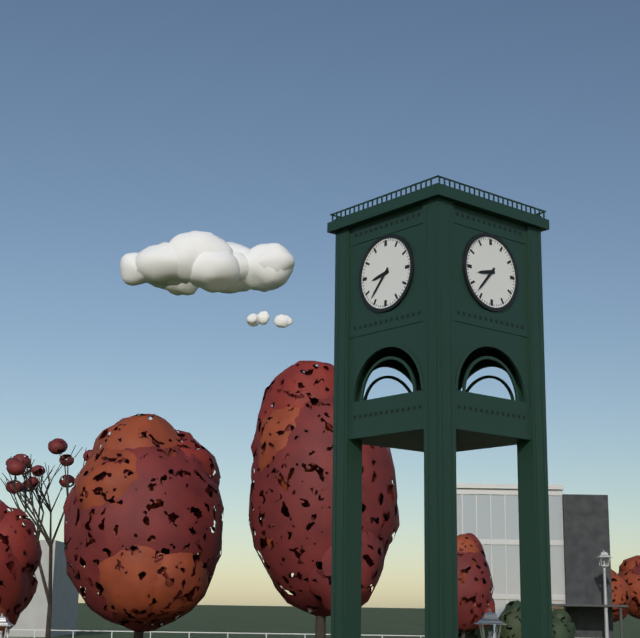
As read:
**8:37**
